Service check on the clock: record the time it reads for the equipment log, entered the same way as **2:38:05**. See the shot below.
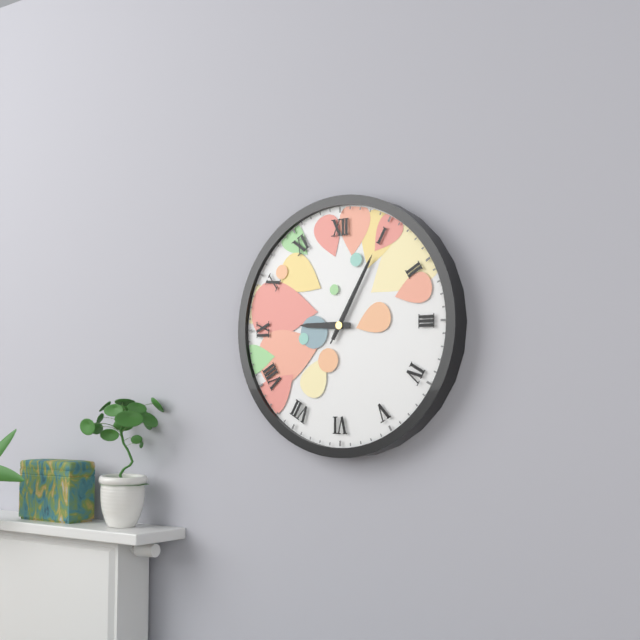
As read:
**9:05:05**
